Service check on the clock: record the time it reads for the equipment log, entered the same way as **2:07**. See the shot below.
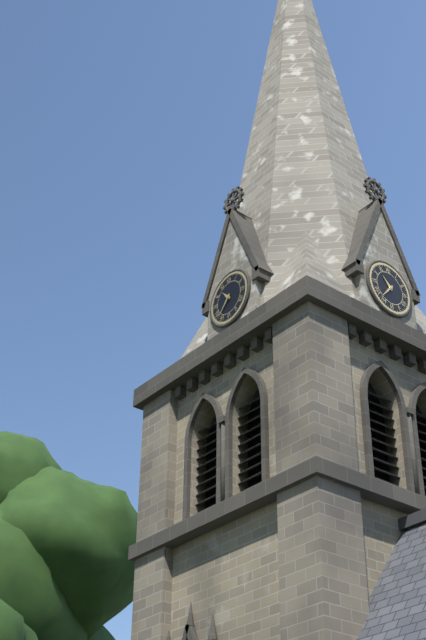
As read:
**10:37**
